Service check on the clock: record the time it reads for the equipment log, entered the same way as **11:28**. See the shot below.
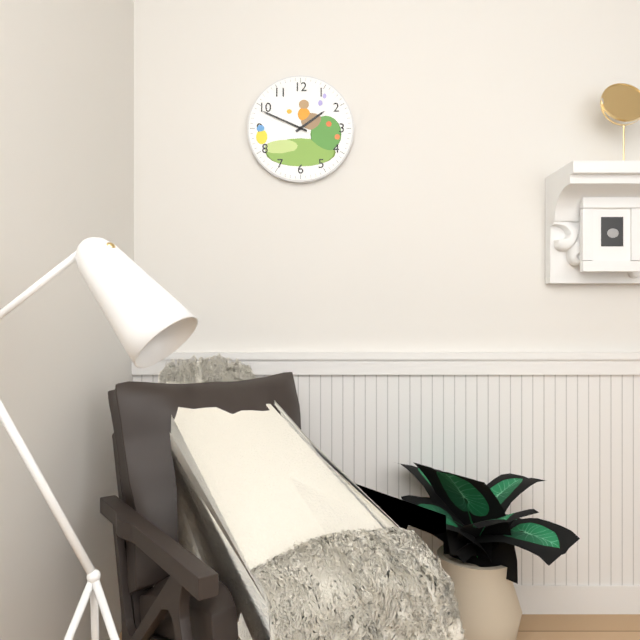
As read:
**1:49**
